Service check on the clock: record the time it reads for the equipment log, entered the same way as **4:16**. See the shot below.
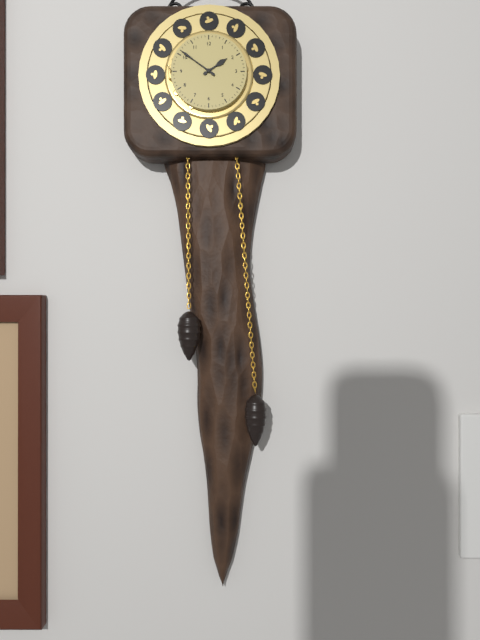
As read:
**1:51**
